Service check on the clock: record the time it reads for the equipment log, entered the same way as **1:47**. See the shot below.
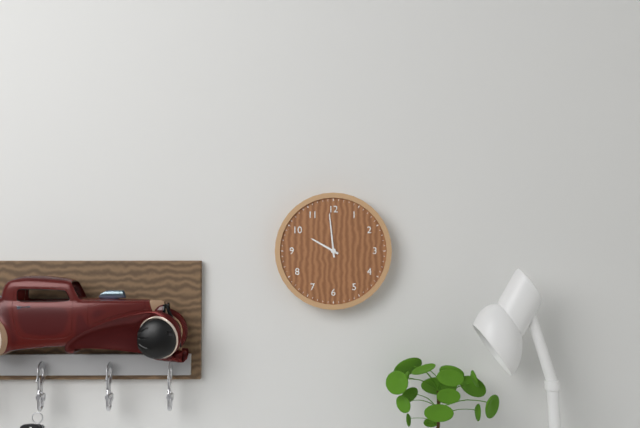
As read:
**9:59**
